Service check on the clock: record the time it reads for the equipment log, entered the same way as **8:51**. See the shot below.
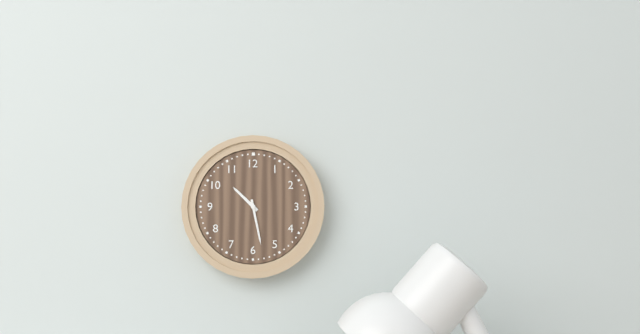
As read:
**10:28**
